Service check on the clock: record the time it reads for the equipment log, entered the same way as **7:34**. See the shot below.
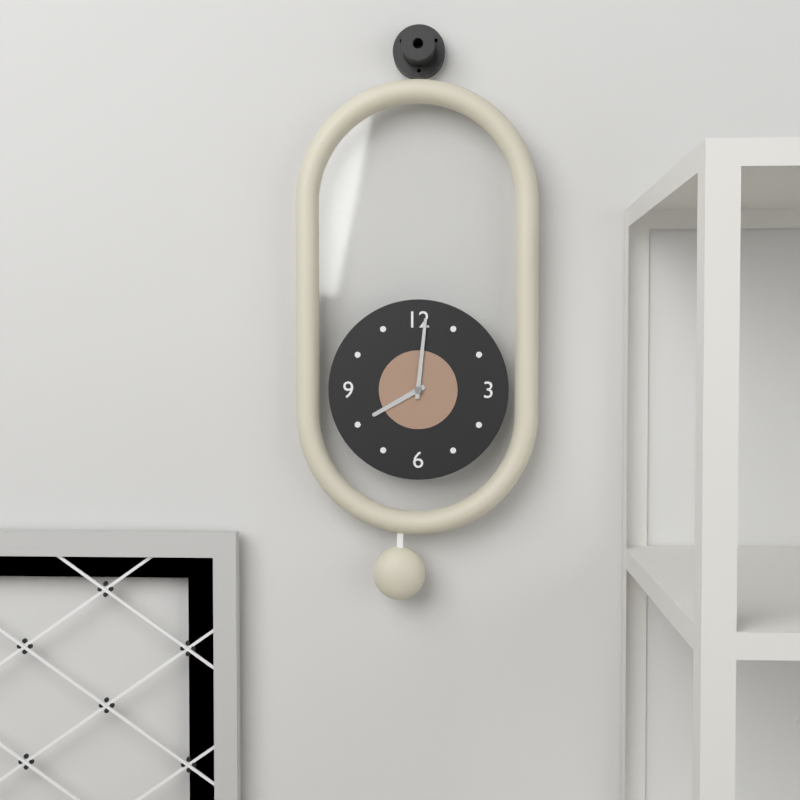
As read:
**8:01**
